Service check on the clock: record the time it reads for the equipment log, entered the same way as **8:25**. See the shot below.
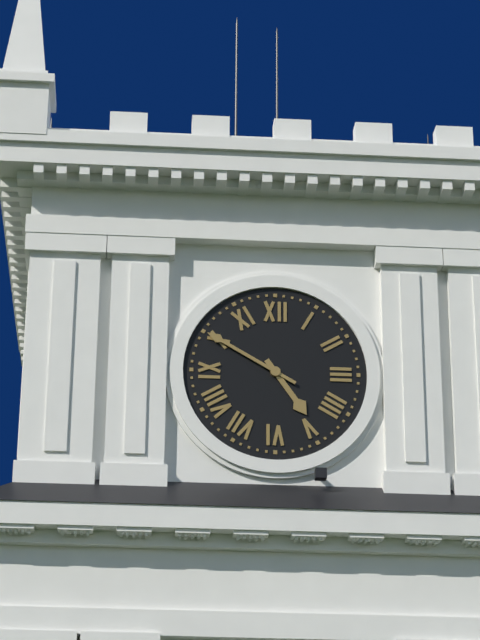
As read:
**4:50**
